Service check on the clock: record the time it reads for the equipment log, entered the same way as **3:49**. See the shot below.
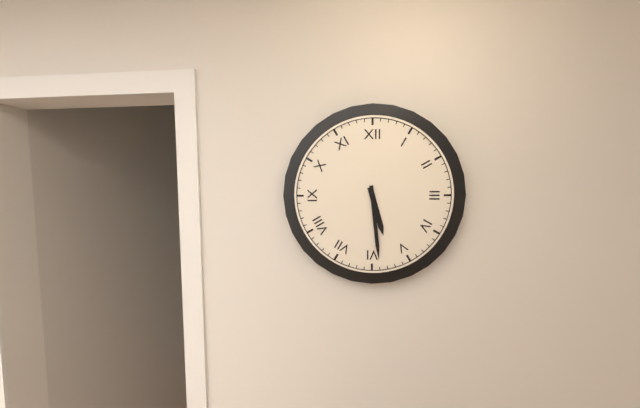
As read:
**5:29**
